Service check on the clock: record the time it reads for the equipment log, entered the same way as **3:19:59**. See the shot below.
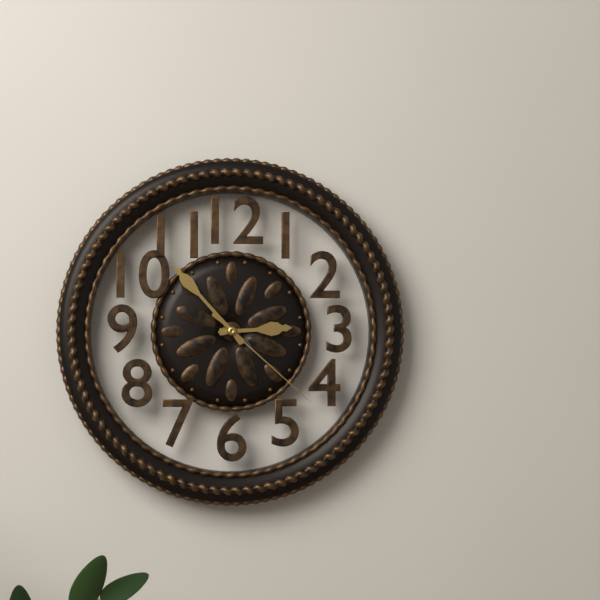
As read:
**2:53:22**
